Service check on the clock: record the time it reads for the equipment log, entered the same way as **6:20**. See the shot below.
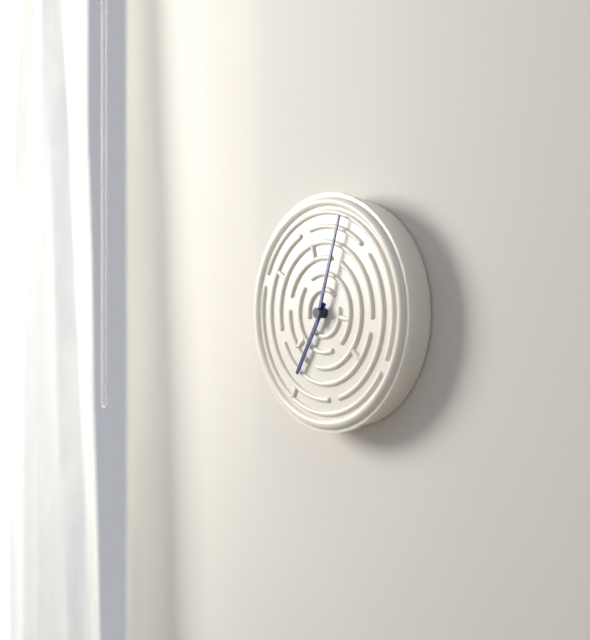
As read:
**7:03**
